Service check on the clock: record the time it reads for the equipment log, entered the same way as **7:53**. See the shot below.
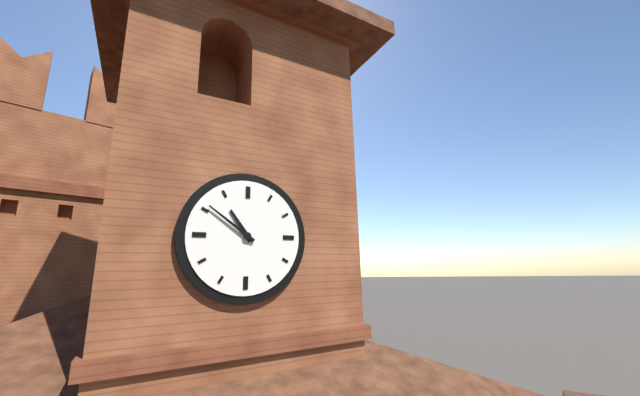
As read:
**10:51**
